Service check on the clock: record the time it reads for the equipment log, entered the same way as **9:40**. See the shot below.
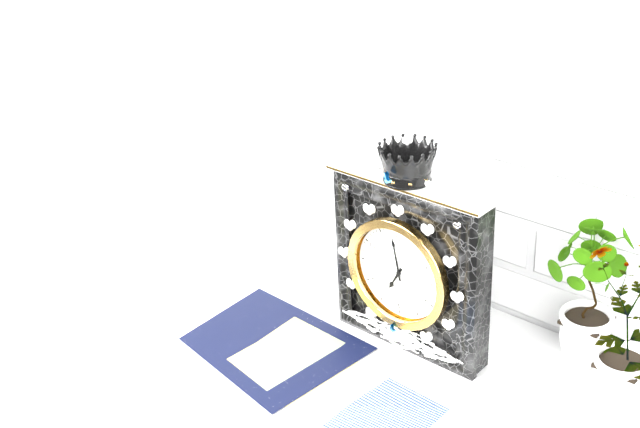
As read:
**6:58**
